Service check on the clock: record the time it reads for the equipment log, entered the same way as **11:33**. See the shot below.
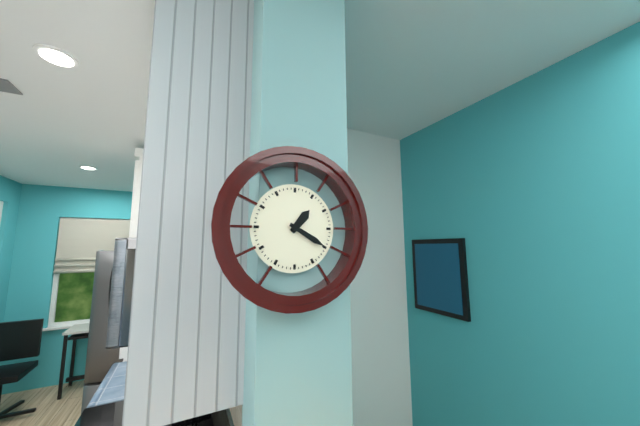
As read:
**1:20**
